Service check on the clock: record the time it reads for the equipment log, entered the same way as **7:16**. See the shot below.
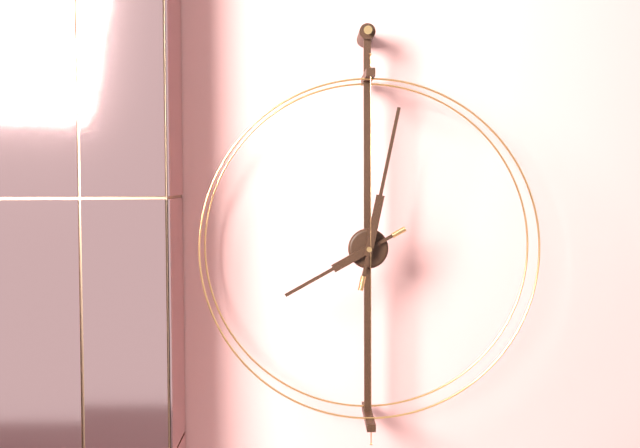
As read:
**8:02**
